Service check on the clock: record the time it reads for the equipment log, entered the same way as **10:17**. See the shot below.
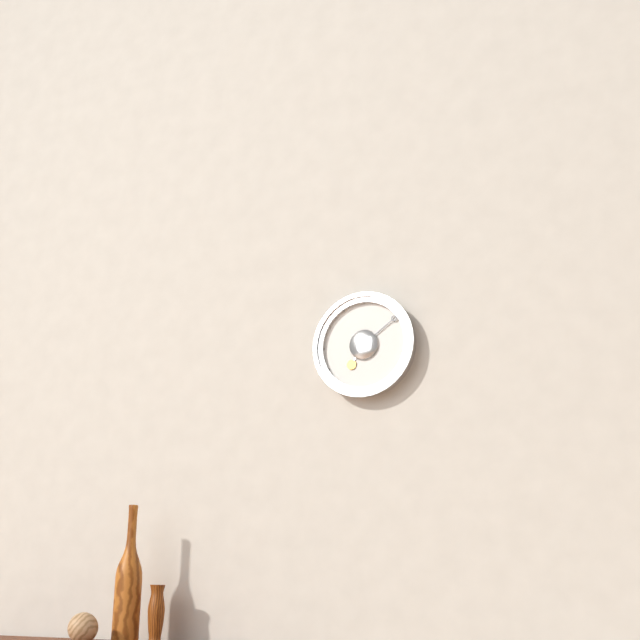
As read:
**7:09**
